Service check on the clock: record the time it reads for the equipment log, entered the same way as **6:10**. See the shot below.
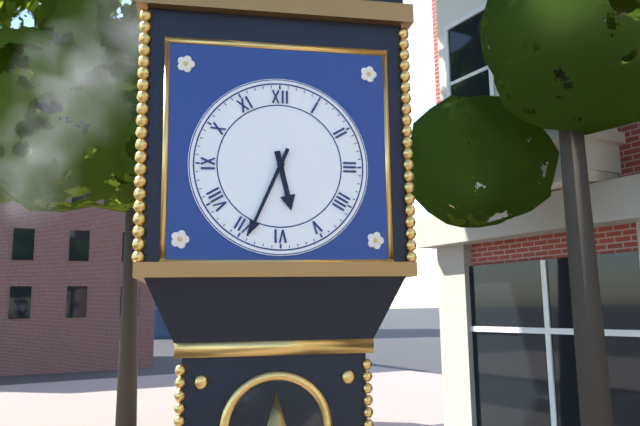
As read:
**5:34**
